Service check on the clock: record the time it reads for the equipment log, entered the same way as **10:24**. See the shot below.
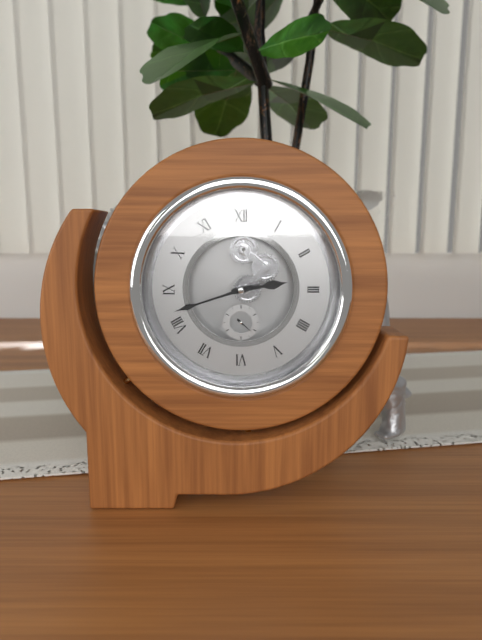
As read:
**2:42**
